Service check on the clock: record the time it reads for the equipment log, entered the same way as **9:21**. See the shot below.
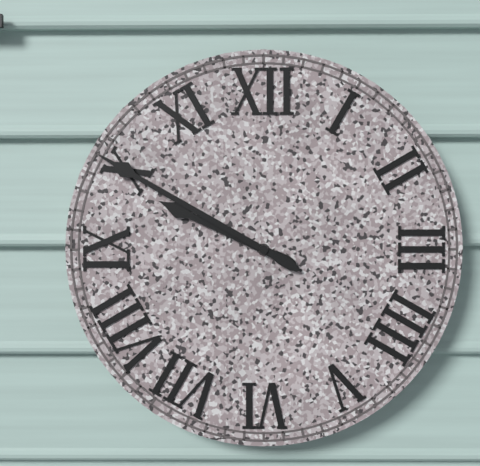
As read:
**9:50**
